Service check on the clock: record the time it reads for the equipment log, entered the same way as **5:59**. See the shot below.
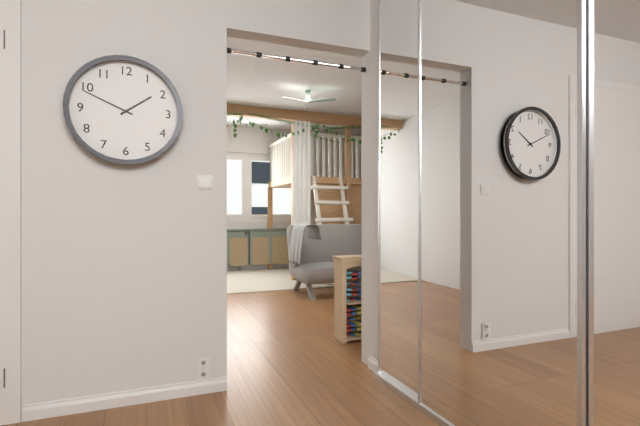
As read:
**1:49**
